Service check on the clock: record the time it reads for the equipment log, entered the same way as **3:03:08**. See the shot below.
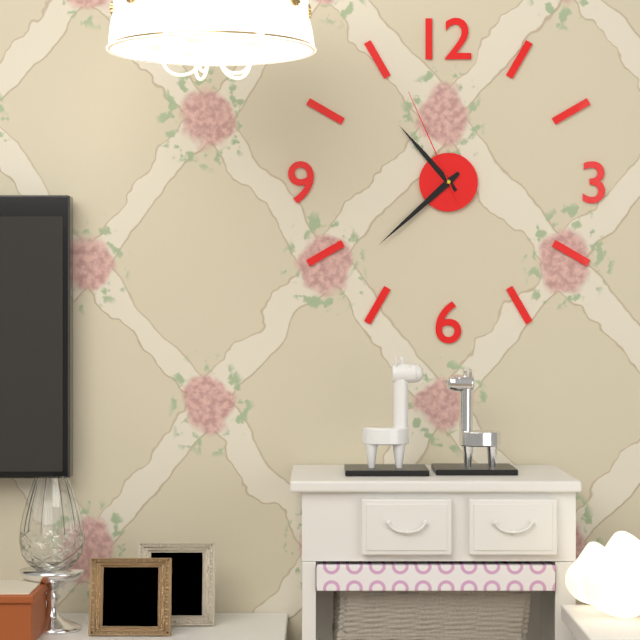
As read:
**10:38:56**
